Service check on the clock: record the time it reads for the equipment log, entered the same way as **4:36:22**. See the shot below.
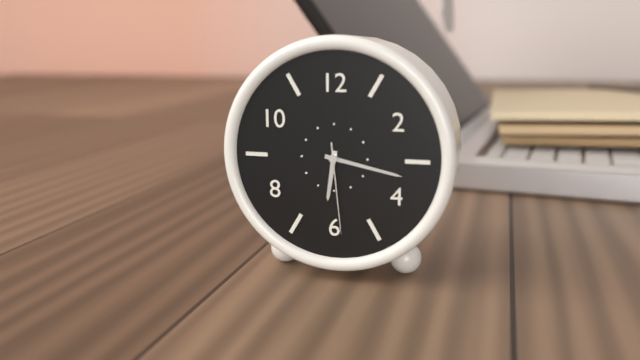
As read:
**6:17:29**
